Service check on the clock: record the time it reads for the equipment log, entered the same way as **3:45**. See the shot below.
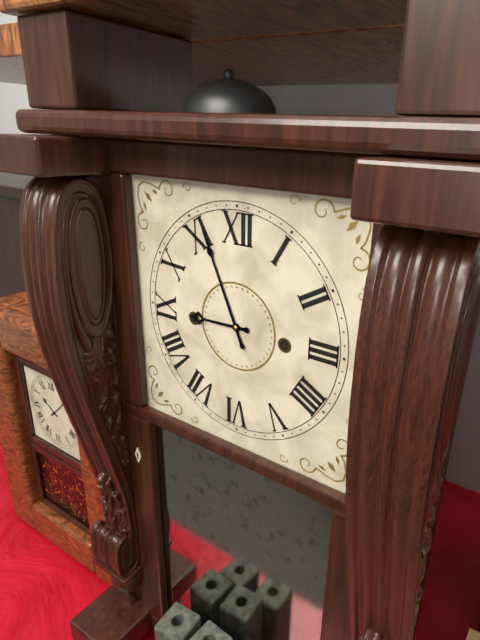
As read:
**8:56**
